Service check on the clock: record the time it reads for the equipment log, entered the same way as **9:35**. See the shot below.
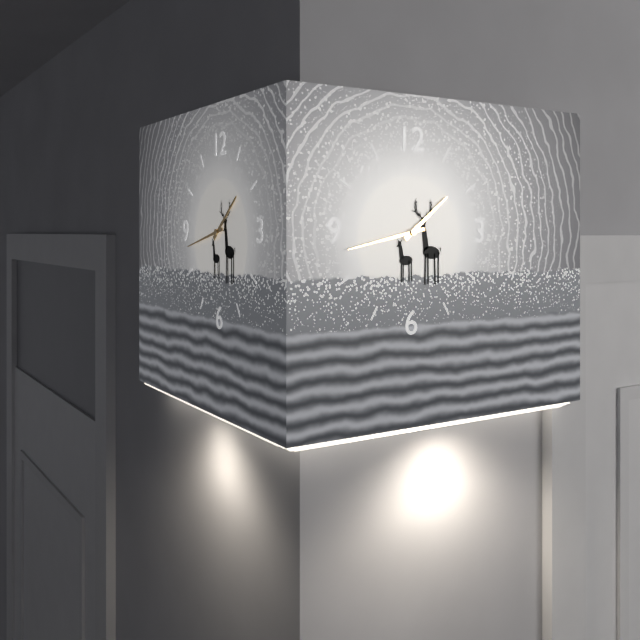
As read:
**1:43**
